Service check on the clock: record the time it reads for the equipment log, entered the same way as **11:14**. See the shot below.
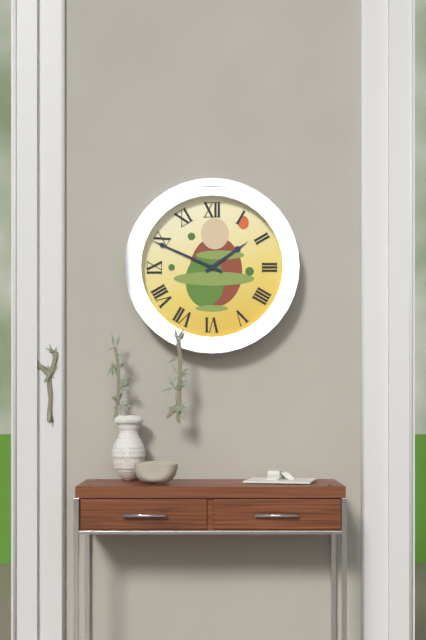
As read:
**1:49**
